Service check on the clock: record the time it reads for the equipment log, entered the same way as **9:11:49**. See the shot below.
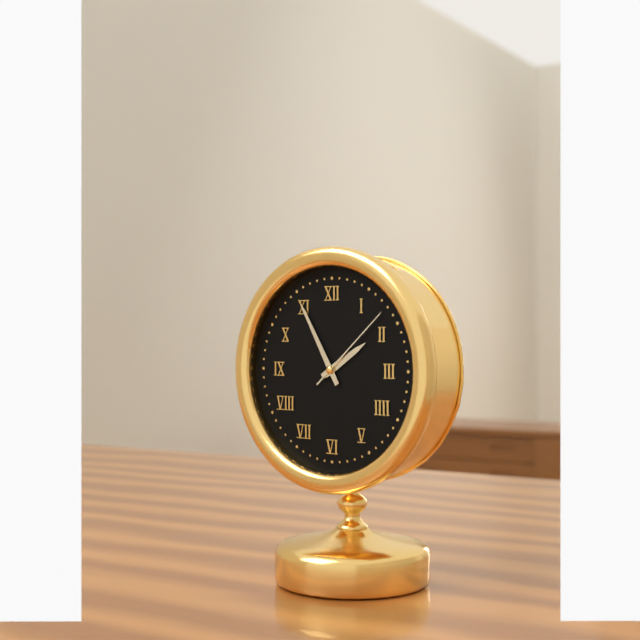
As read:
**1:55:08**
